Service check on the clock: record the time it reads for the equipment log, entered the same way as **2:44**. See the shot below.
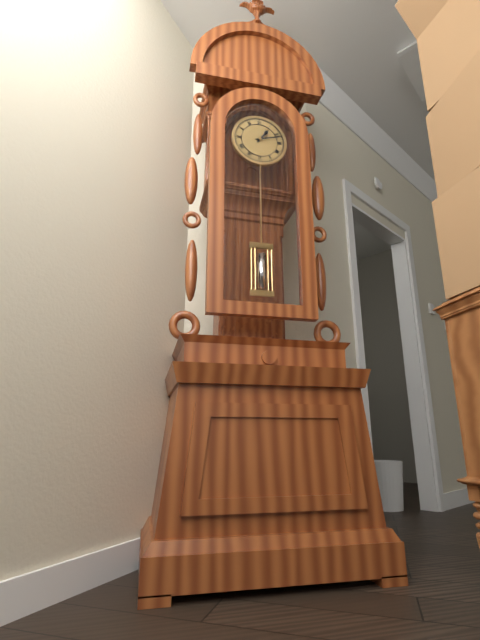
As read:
**1:12**
